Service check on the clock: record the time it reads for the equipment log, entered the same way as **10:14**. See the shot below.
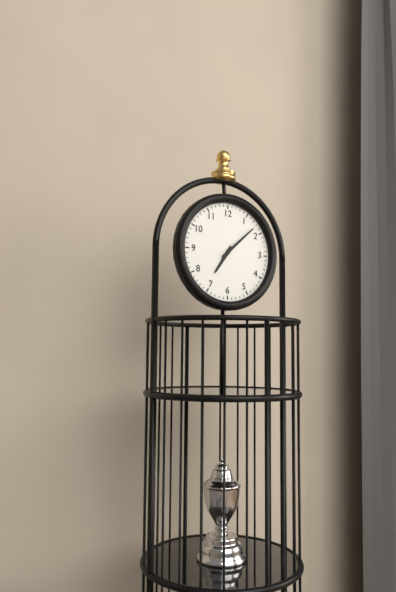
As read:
**7:08**
